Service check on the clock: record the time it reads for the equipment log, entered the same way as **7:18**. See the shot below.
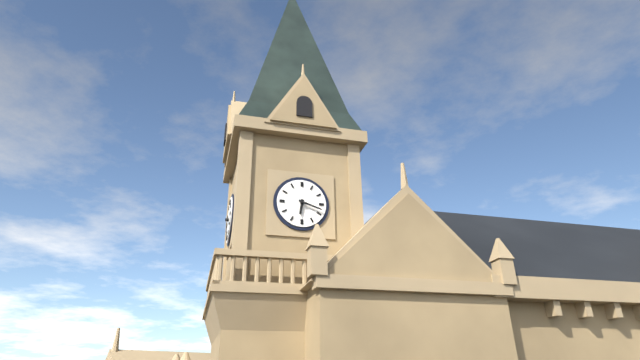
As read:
**6:18**
